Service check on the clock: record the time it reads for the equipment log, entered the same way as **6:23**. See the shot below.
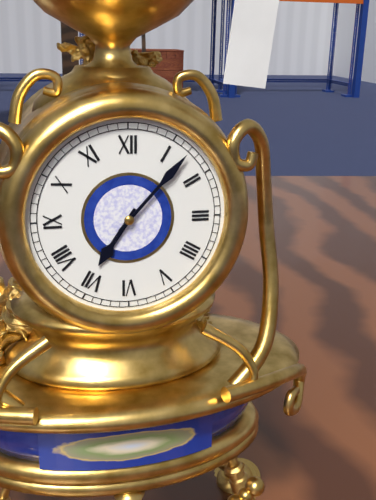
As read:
**7:07**
